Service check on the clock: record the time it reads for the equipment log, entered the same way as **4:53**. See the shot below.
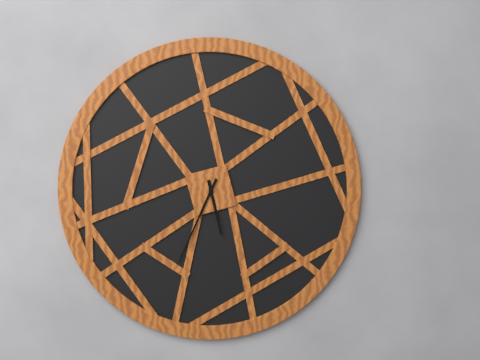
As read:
**5:34**
